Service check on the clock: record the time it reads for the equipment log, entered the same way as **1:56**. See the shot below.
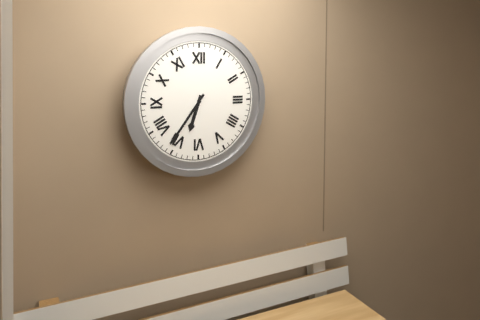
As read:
**6:36**
